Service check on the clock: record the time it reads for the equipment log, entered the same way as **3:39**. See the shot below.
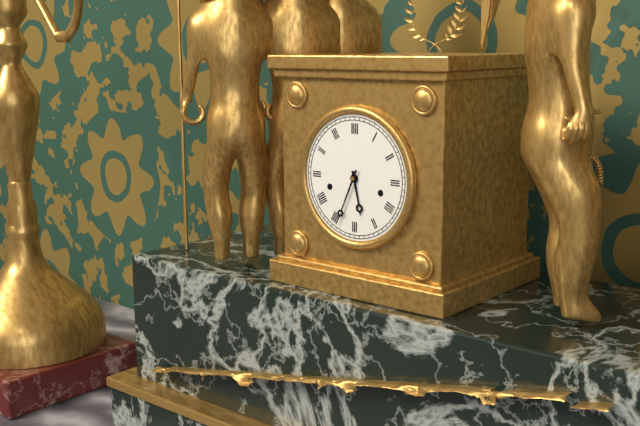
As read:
**5:34**
